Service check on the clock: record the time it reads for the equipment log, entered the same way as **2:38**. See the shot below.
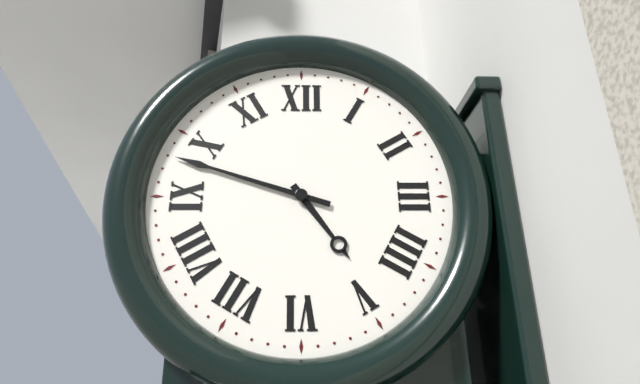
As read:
**4:48**
